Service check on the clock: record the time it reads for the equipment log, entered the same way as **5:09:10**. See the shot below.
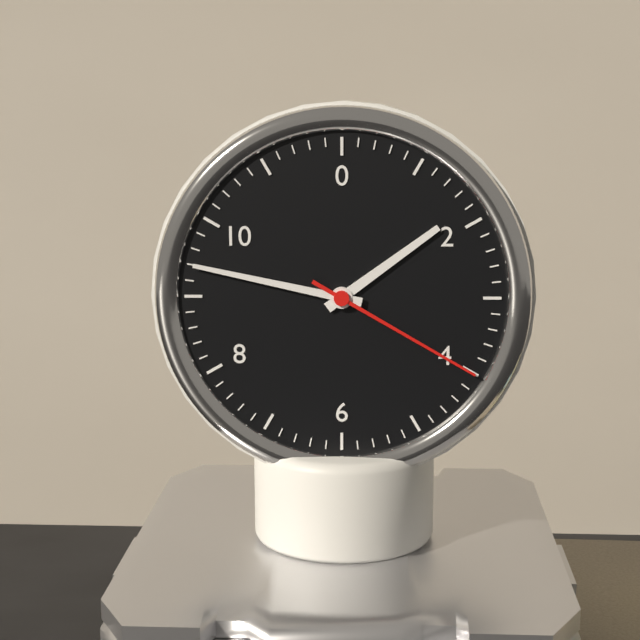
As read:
**1:47:20**
